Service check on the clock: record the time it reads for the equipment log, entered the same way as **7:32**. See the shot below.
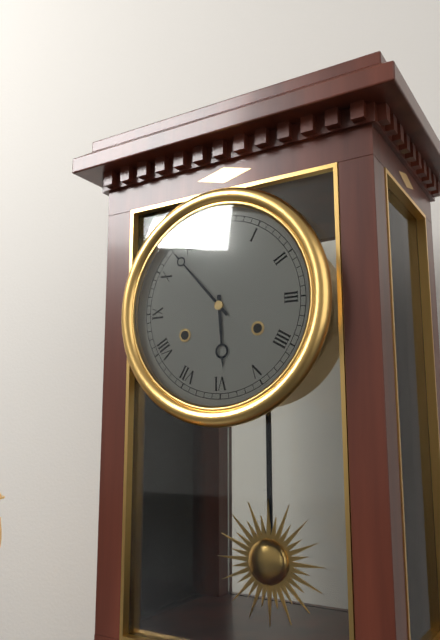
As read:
**5:53**
